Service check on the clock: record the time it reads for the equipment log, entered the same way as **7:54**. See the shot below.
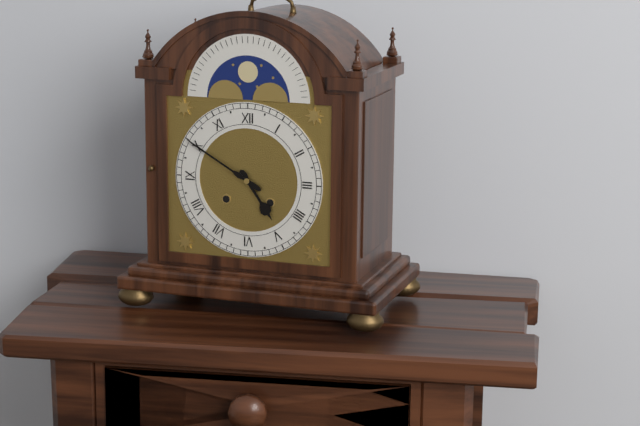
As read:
**4:50**
